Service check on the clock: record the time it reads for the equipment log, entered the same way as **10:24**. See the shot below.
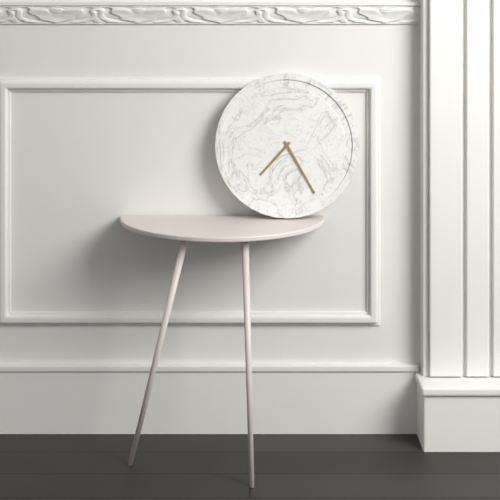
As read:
**7:25**
